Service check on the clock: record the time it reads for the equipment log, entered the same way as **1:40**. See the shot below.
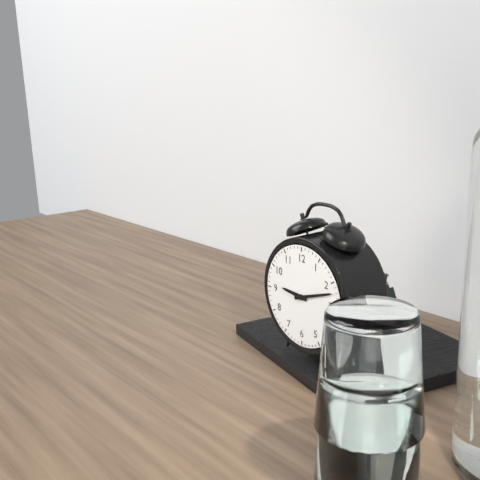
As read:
**9:12**
